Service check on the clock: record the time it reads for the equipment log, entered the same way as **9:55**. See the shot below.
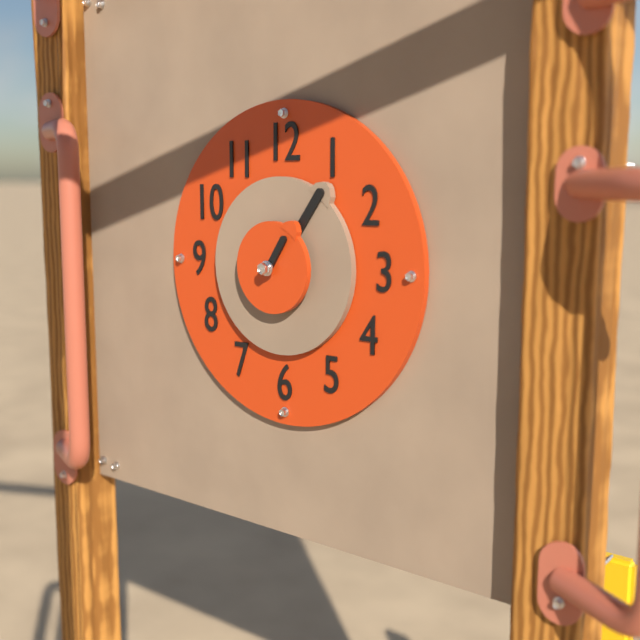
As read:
**1:06**
